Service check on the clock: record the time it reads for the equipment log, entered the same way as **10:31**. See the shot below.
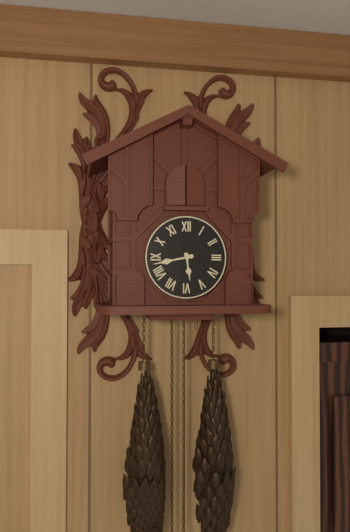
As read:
**5:43**
